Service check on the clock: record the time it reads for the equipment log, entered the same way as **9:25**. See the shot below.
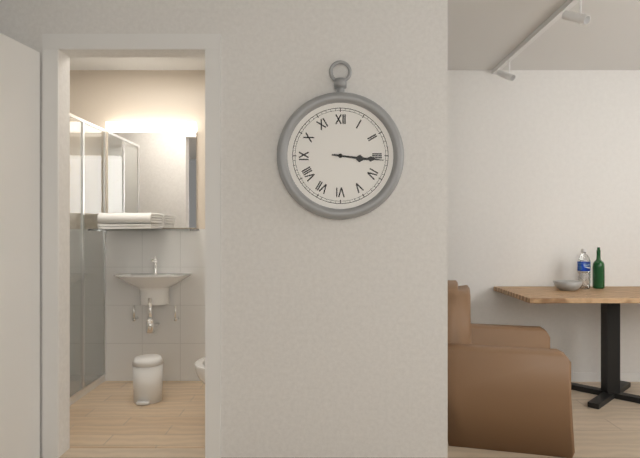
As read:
**3:16**
